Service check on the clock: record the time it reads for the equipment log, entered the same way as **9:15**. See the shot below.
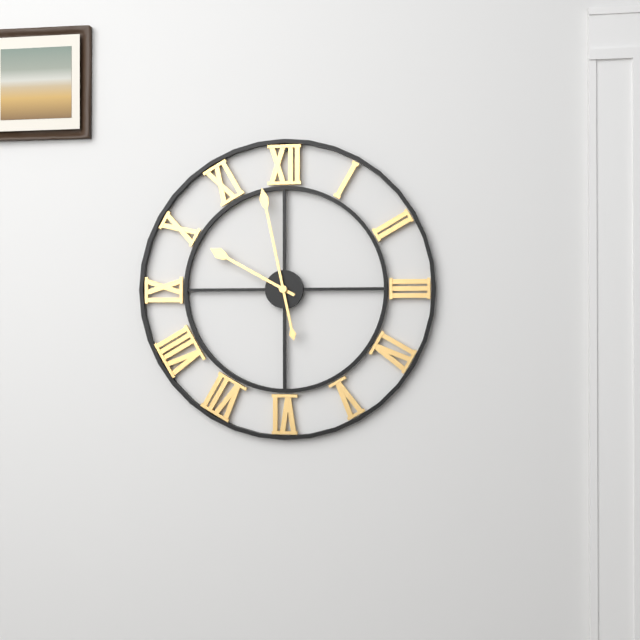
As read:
**9:58**
